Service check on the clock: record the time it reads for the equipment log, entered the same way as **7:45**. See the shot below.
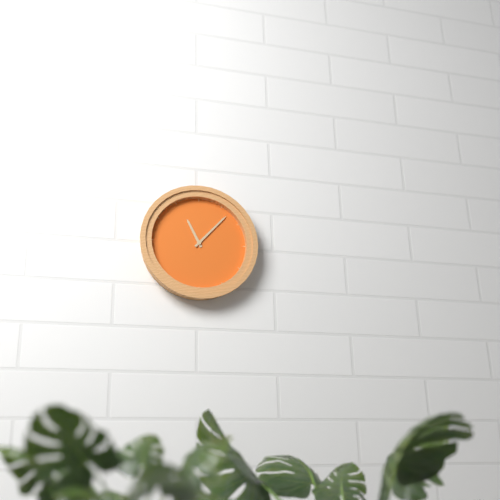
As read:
**11:07**
